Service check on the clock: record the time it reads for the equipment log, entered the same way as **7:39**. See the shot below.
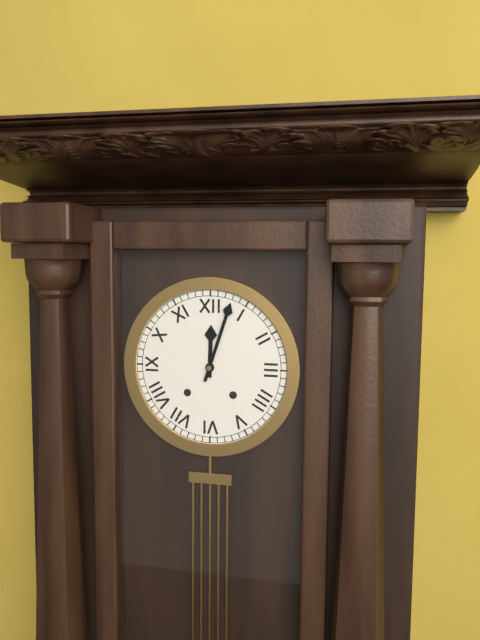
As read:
**12:03**
